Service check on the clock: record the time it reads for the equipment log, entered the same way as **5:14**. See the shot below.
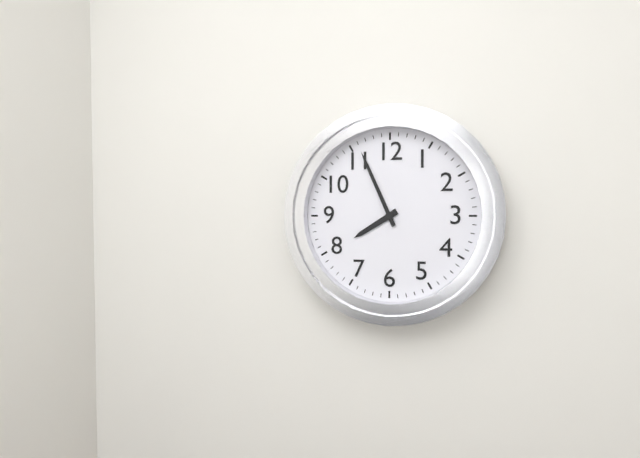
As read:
**7:56**
